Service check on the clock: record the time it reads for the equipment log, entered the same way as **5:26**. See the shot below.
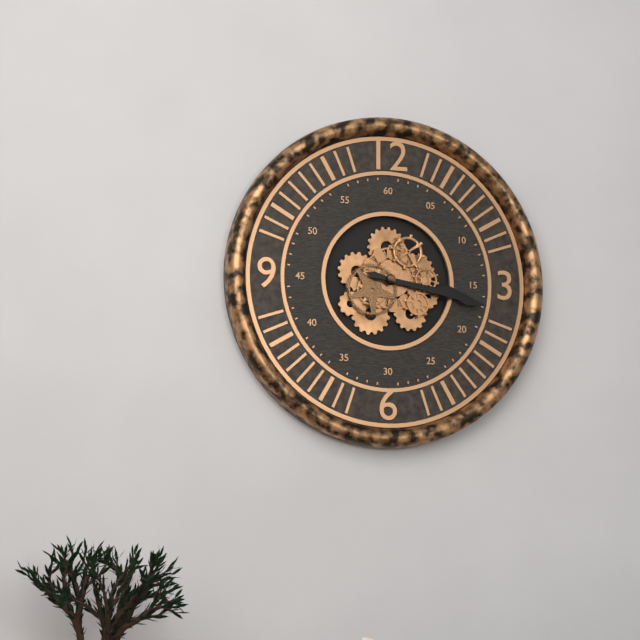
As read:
**3:17**
